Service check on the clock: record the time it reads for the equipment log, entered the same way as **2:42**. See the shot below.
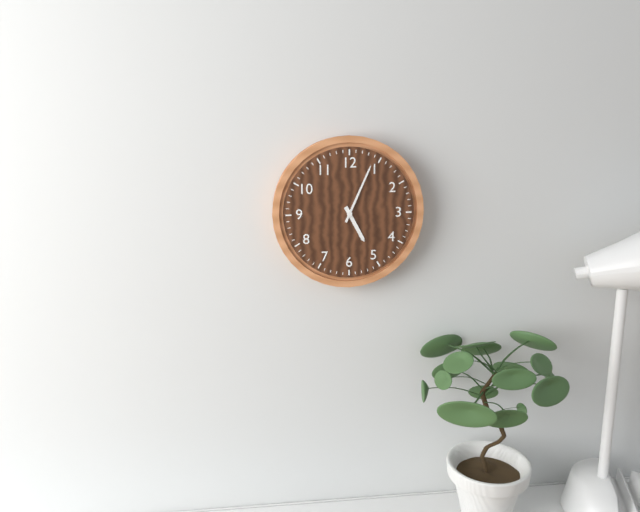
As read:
**5:04**
